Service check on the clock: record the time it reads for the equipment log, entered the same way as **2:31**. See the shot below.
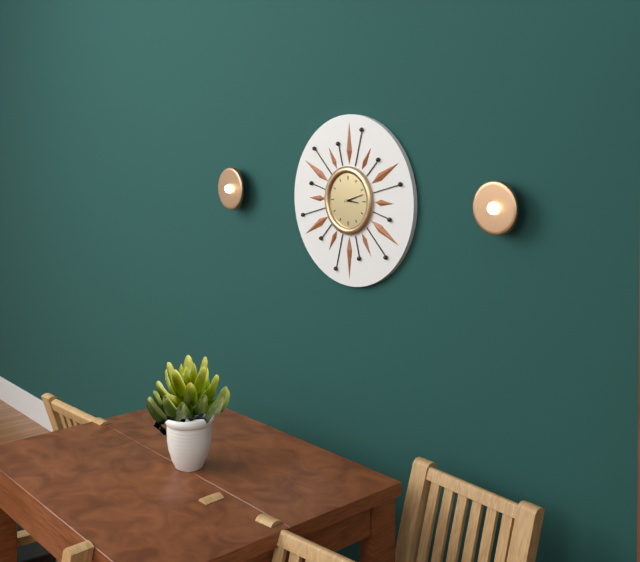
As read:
**3:12**
